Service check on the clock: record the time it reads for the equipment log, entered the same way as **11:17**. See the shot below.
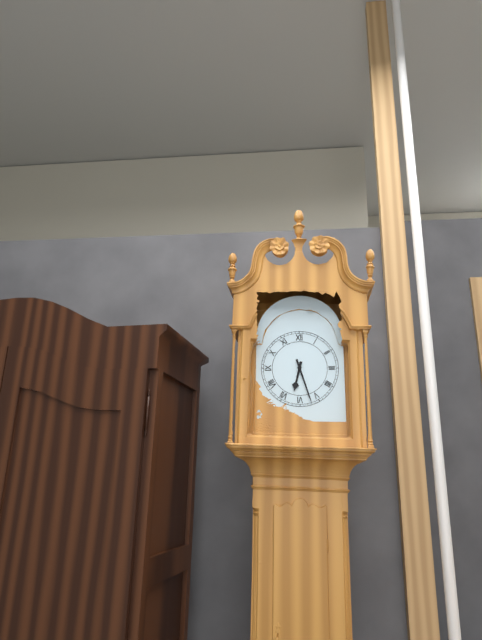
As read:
**6:27**
